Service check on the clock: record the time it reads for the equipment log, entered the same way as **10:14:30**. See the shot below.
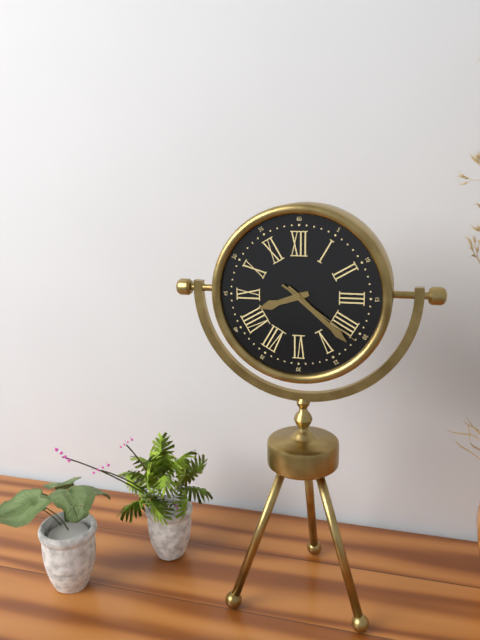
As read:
**8:22:21**
